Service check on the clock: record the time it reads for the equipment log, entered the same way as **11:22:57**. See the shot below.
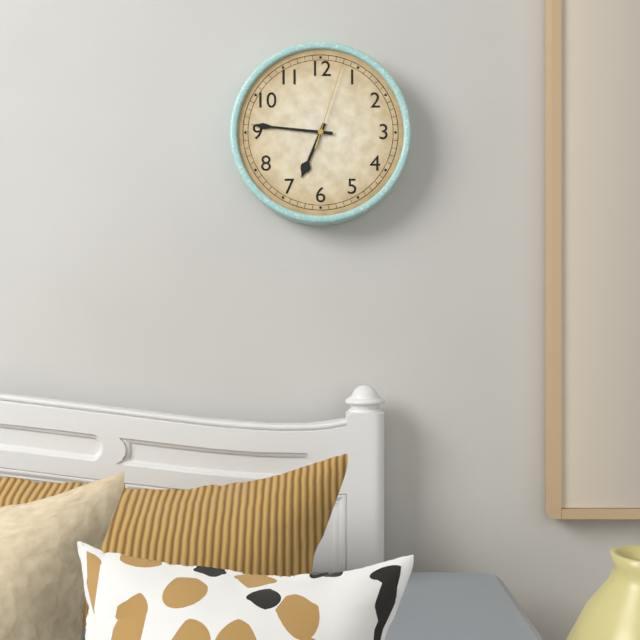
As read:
**6:46:03**
